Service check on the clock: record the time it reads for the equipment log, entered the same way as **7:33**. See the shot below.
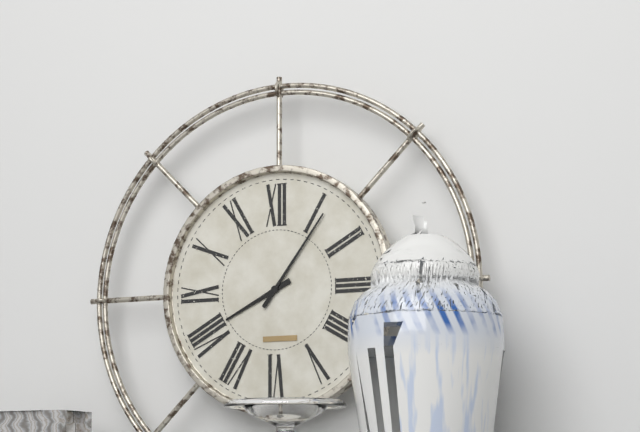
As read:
**8:06**
